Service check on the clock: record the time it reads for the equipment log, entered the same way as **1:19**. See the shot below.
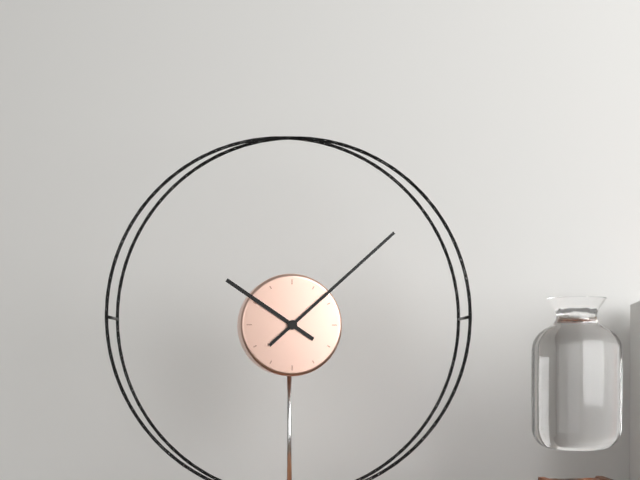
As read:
**10:08**
